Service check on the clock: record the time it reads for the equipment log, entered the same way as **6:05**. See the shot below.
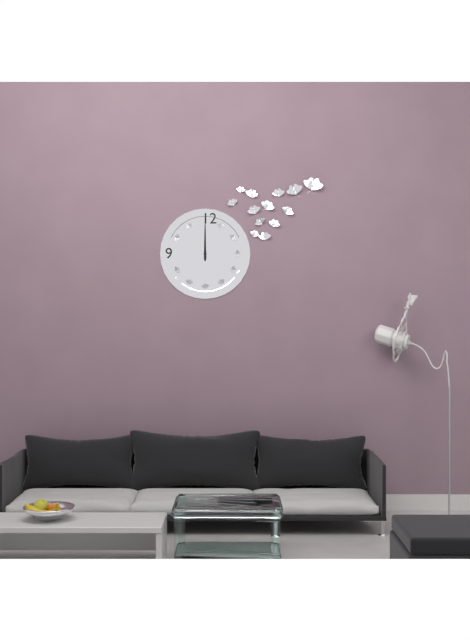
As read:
**12:00**
